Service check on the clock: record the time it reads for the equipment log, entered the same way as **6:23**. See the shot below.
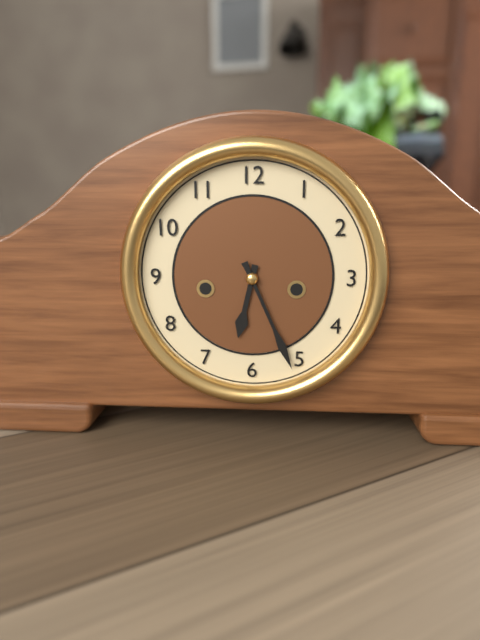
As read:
**6:26**
